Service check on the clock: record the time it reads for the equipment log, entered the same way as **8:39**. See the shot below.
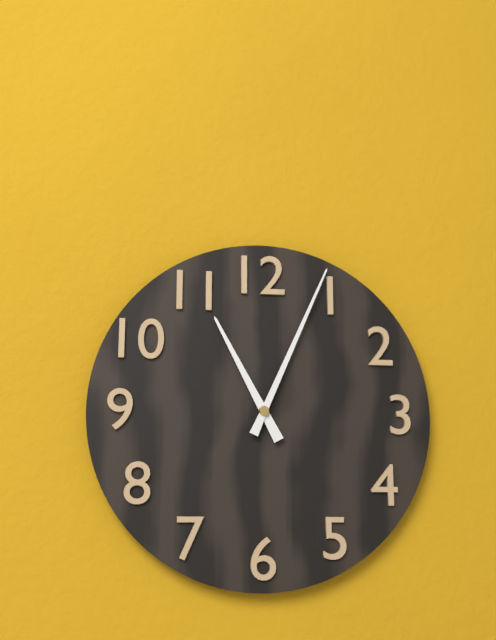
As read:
**11:04**
